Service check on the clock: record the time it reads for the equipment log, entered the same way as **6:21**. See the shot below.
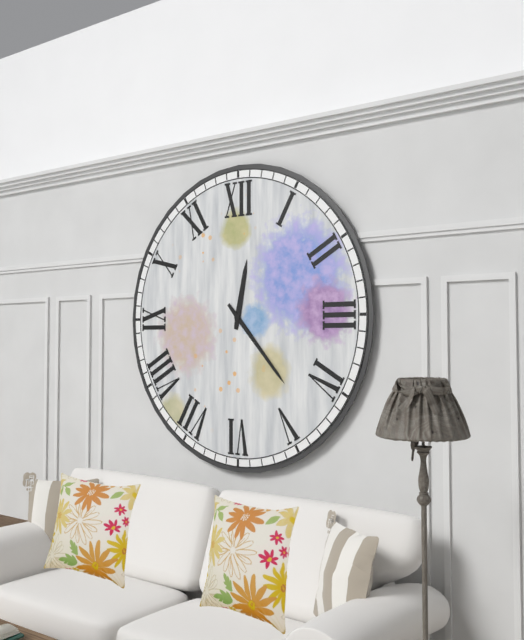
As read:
**12:23**
